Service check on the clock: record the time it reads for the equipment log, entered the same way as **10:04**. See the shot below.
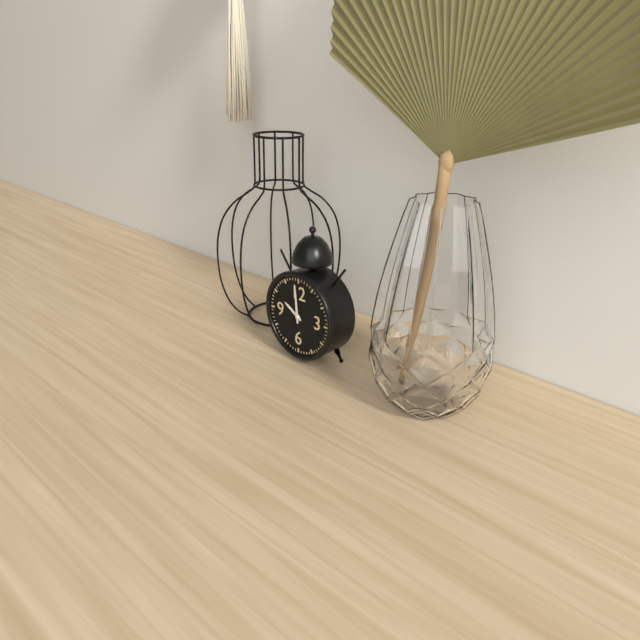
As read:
**9:59**
